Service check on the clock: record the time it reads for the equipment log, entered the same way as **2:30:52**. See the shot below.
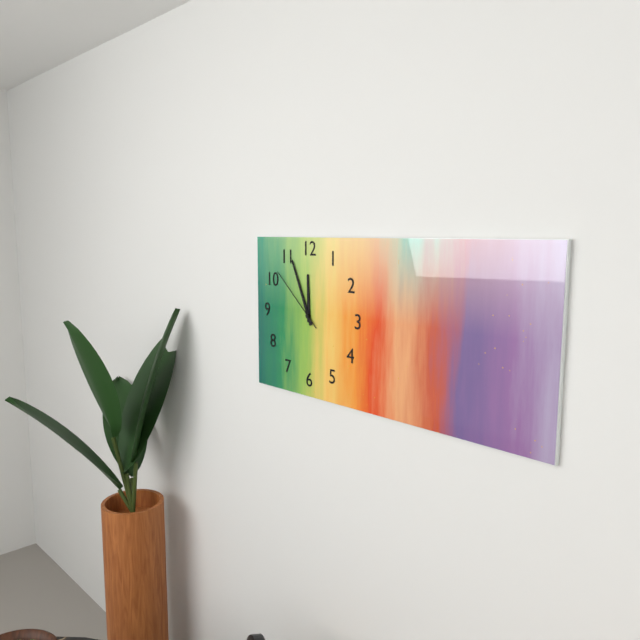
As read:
**11:56:52**
